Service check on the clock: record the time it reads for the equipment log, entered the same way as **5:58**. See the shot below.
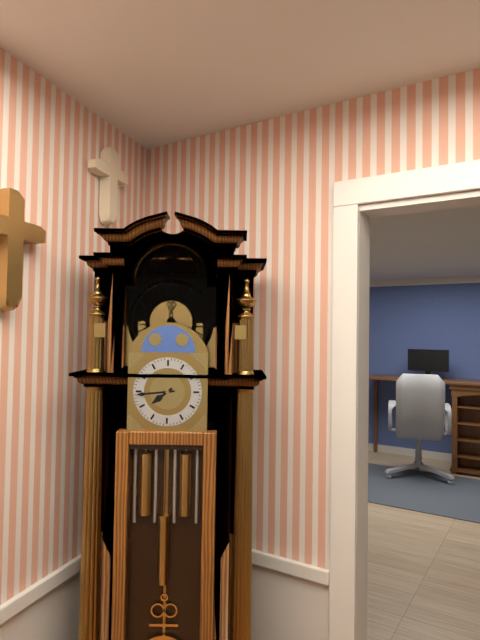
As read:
**7:44**
